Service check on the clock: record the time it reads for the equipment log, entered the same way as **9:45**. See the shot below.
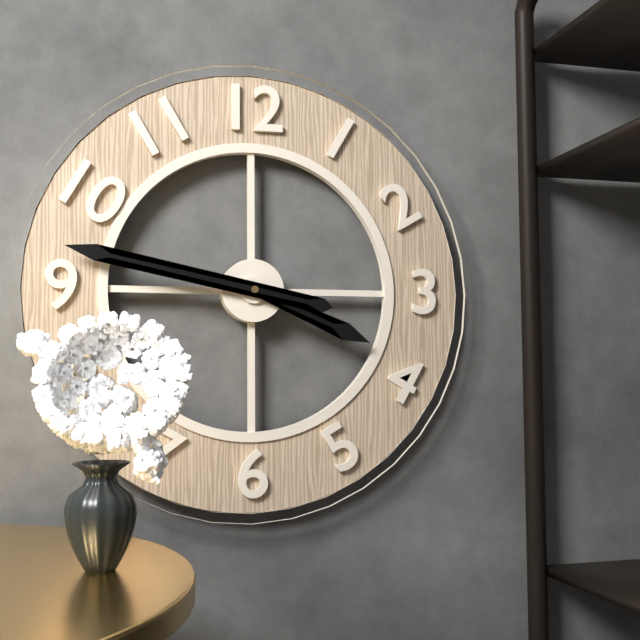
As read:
**3:47**
